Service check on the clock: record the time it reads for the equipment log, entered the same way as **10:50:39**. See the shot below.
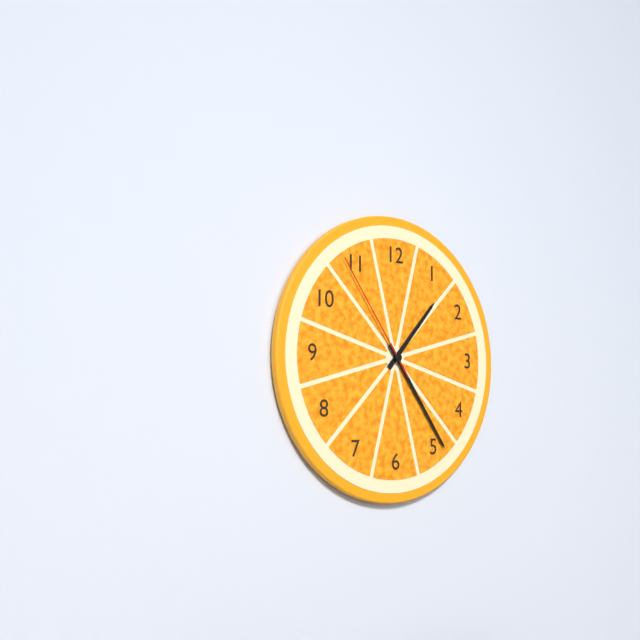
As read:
**1:24:54**
